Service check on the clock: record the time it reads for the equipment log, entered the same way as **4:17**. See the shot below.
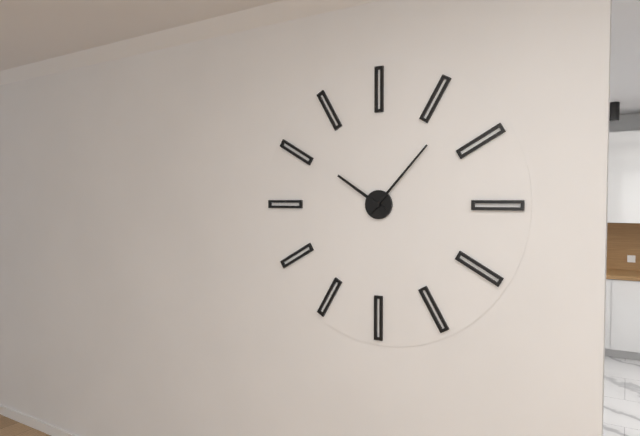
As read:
**10:07**
